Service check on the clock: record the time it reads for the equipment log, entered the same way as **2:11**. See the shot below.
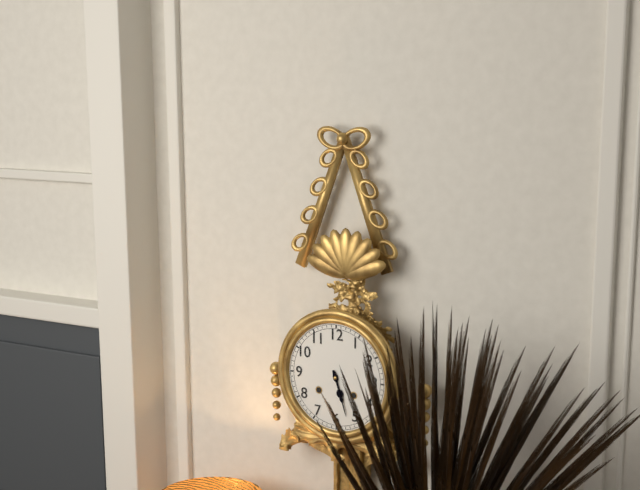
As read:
**5:27**
